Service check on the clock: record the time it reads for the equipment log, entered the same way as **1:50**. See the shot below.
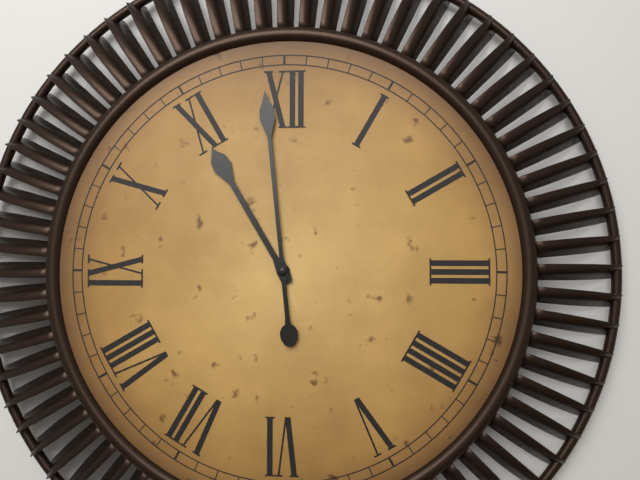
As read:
**10:59**
